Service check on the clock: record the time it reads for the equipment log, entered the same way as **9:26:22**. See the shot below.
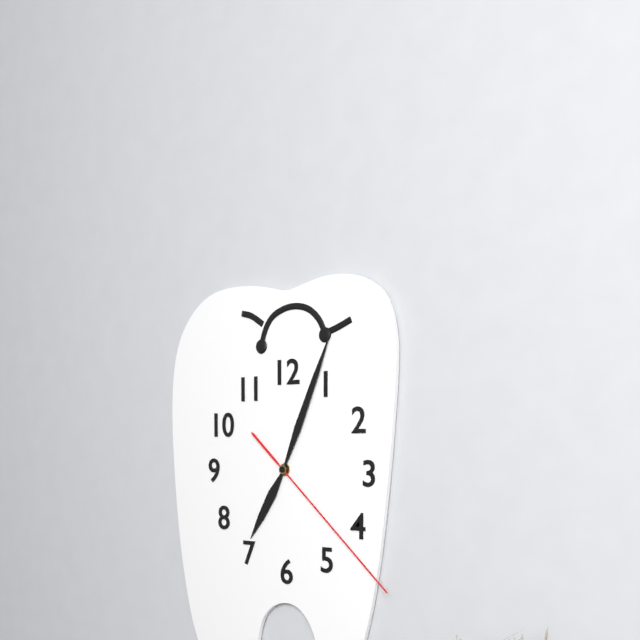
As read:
**7:04:22**
